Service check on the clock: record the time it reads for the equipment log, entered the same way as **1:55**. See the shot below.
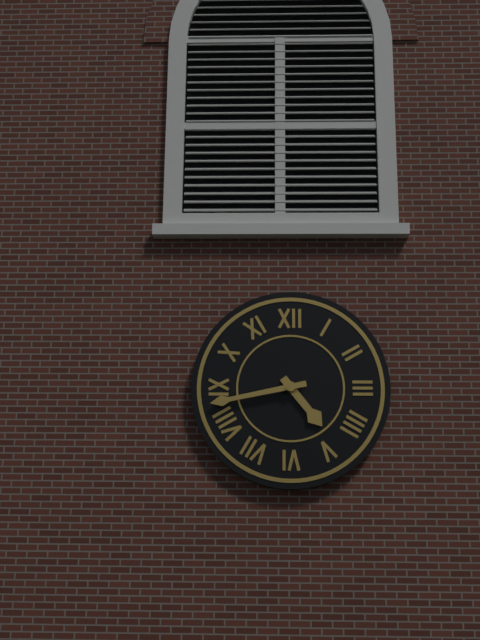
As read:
**4:43**
